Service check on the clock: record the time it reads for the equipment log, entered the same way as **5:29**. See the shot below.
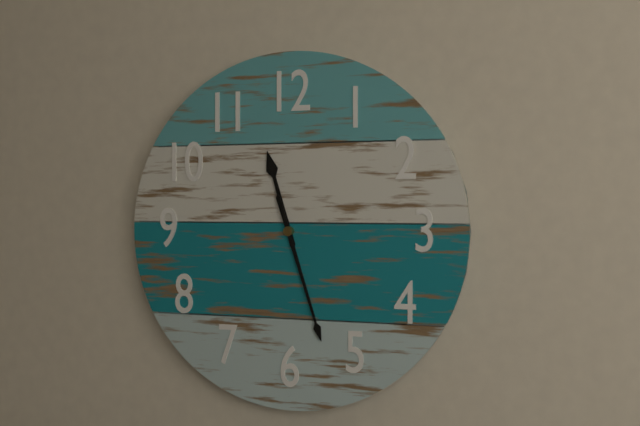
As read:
**11:27**
